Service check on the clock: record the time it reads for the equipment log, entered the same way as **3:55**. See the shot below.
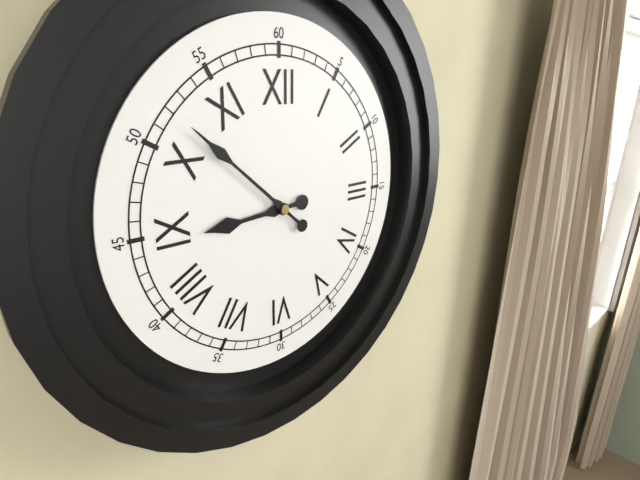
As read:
**8:52**
